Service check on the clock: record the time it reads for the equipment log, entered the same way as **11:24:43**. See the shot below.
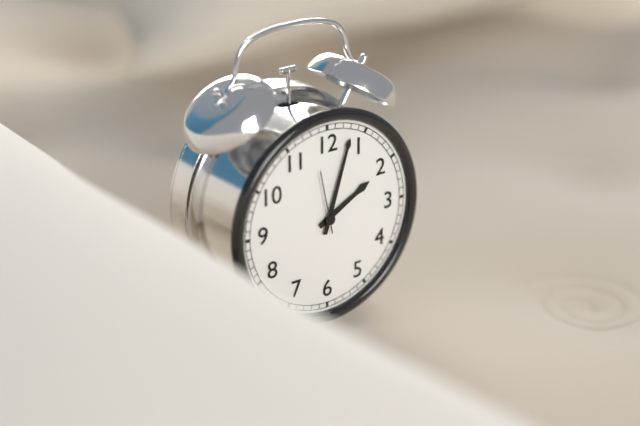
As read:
**2:03:58**
